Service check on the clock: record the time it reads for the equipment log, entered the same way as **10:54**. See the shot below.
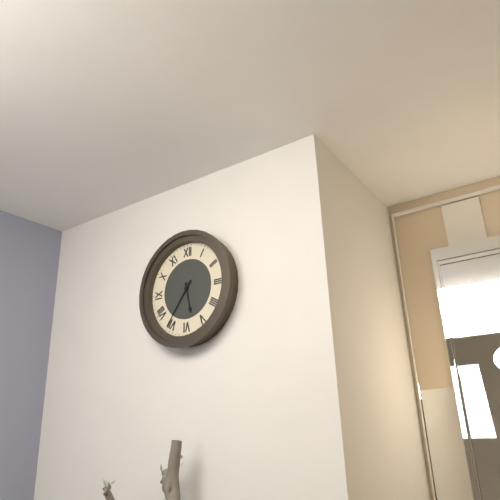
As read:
**5:36**
